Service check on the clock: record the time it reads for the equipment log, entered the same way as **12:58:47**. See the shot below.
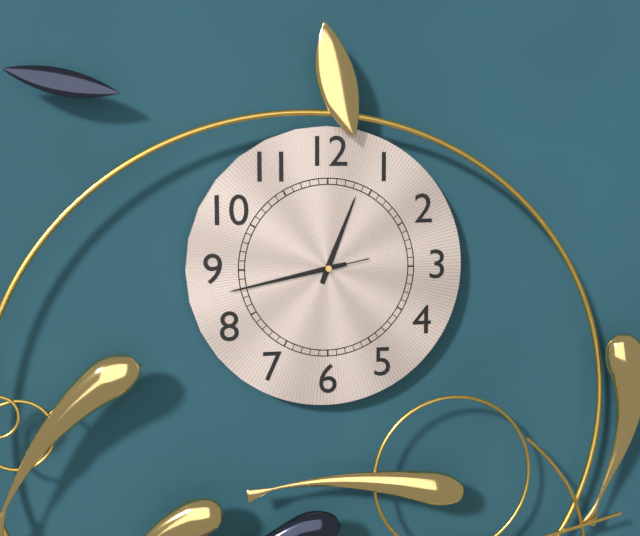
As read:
**12:43:43**
